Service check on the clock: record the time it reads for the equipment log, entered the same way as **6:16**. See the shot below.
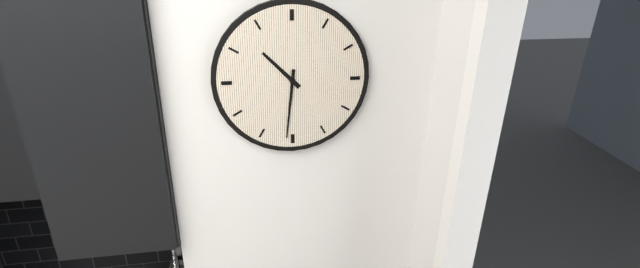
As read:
**10:31**
